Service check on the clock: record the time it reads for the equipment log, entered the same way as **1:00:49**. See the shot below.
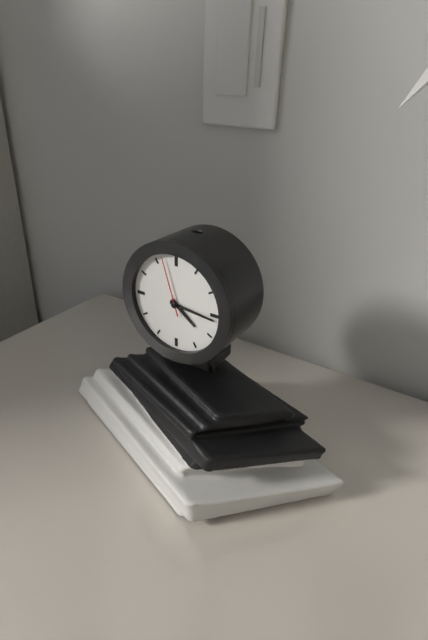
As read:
**4:16:57**
